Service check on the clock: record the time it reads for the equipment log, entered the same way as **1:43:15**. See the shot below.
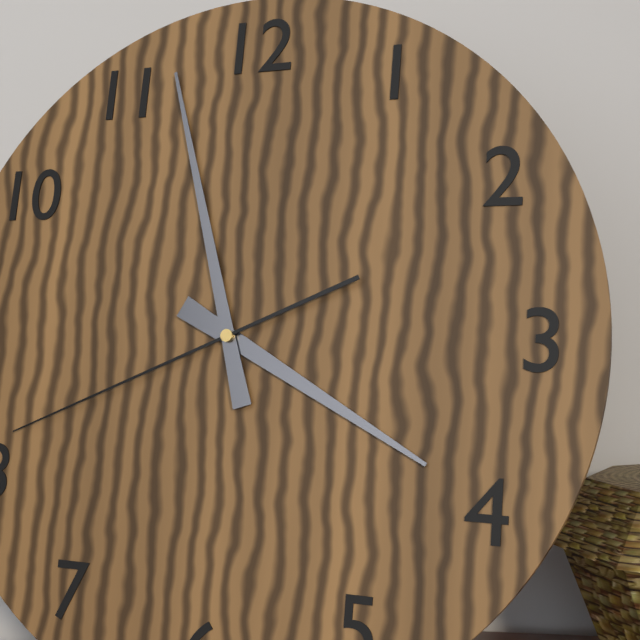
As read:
**3:57:41**
